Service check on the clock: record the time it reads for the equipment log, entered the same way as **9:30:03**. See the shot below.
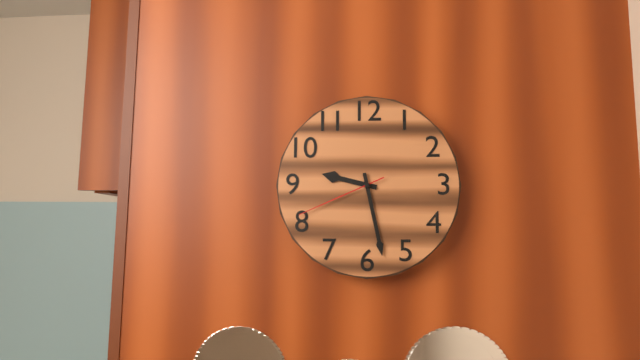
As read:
**9:28:41**
